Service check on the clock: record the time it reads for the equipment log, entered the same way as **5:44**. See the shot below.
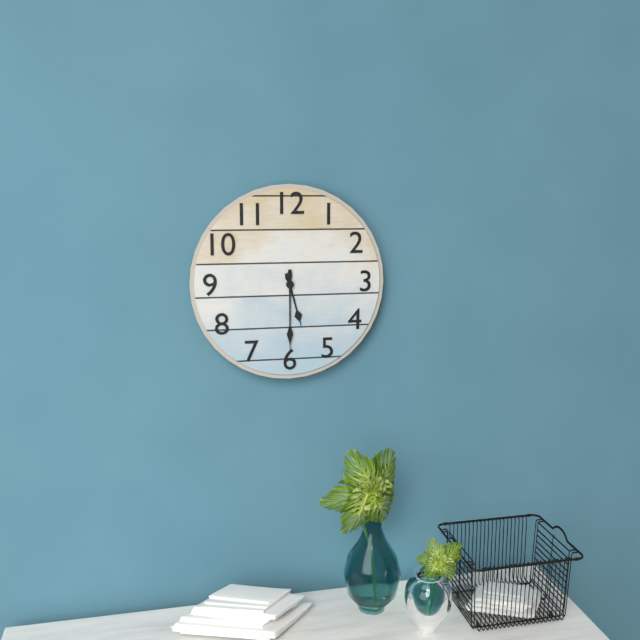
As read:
**5:30**
